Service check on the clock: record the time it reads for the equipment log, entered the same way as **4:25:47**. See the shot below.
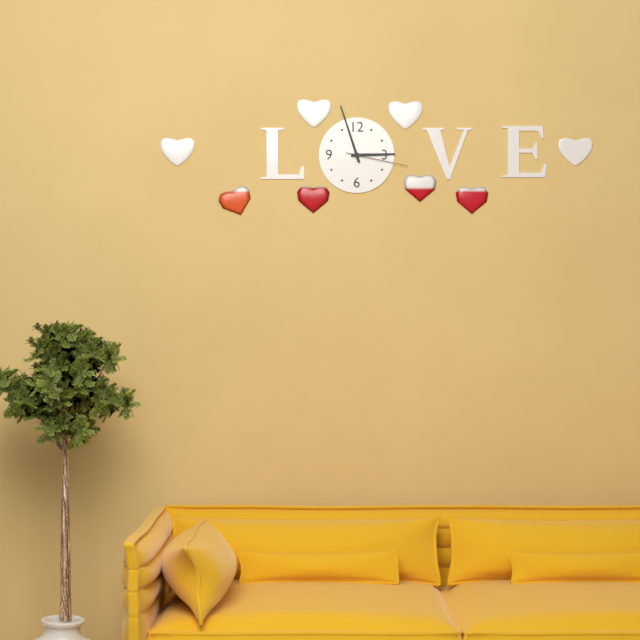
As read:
**2:57:17**
